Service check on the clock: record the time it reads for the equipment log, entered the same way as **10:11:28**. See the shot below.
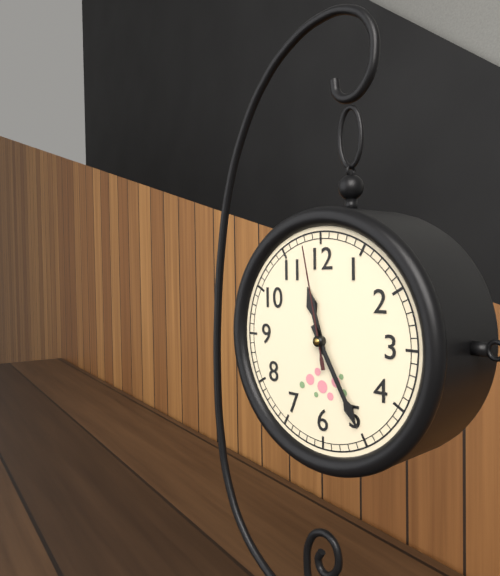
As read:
**11:25:58**
